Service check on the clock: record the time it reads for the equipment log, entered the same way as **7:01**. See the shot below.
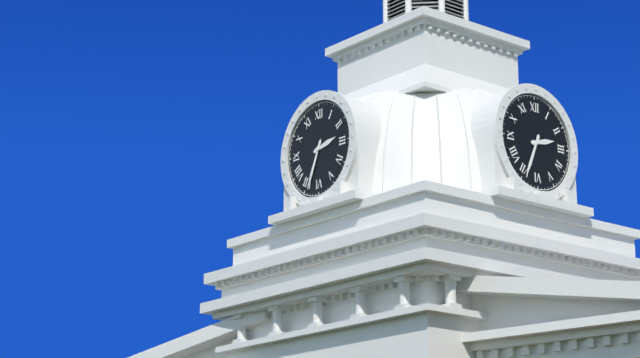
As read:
**2:34**
